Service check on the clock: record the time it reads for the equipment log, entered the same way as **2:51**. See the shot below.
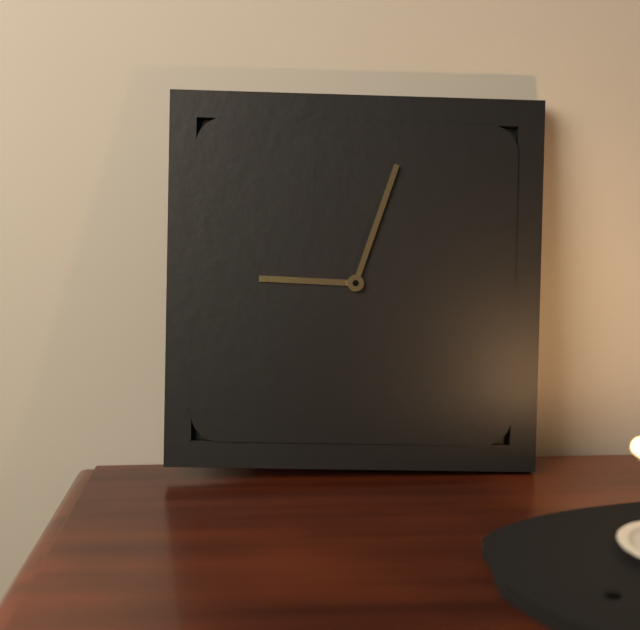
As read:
**9:03**
